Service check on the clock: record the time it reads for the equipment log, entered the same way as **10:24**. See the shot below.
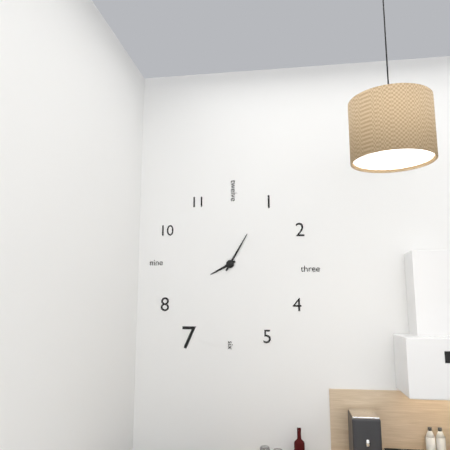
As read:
**8:05**
